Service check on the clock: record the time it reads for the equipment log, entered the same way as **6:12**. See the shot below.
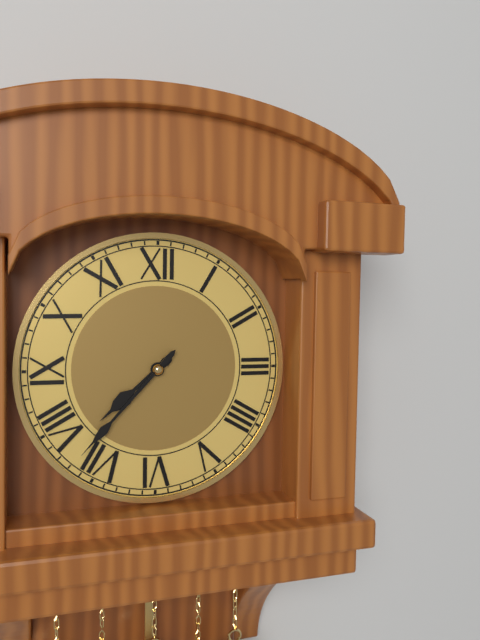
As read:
**7:37**
